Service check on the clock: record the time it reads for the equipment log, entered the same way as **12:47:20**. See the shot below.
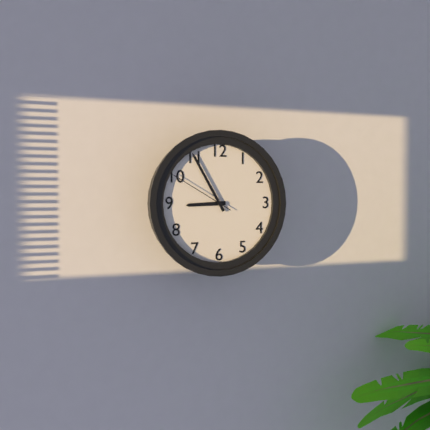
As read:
**8:55:50**
